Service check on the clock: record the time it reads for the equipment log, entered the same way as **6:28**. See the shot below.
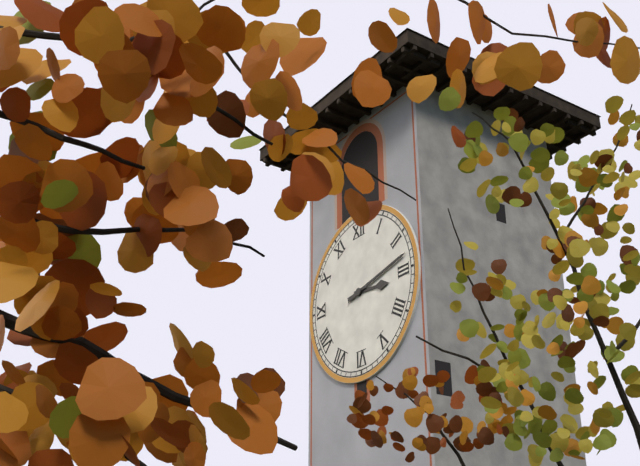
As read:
**3:13**
